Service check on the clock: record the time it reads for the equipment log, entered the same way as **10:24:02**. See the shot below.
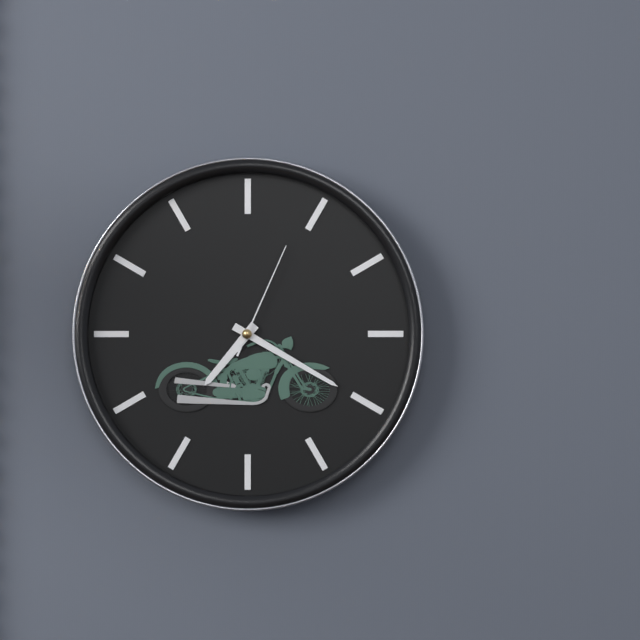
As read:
**7:20:04**
